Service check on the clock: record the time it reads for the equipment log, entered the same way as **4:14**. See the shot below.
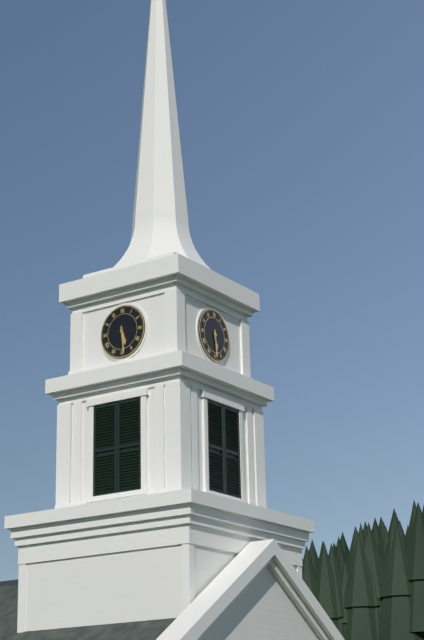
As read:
**5:29**
